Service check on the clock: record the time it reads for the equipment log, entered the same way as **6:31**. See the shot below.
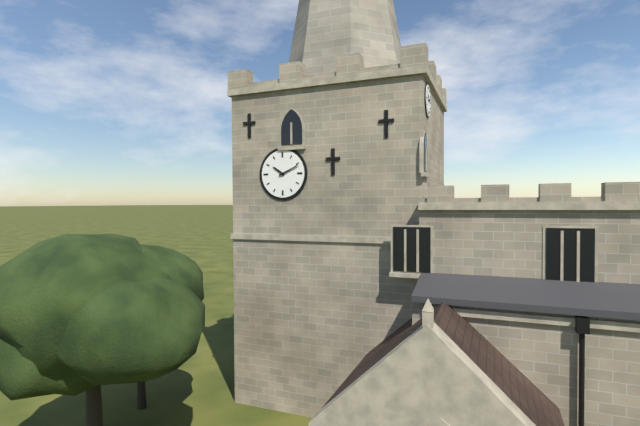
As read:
**10:11**
